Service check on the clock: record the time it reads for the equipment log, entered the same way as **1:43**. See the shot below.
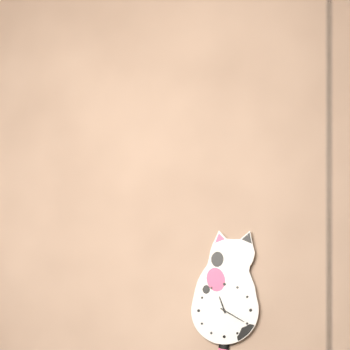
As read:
**11:20**
